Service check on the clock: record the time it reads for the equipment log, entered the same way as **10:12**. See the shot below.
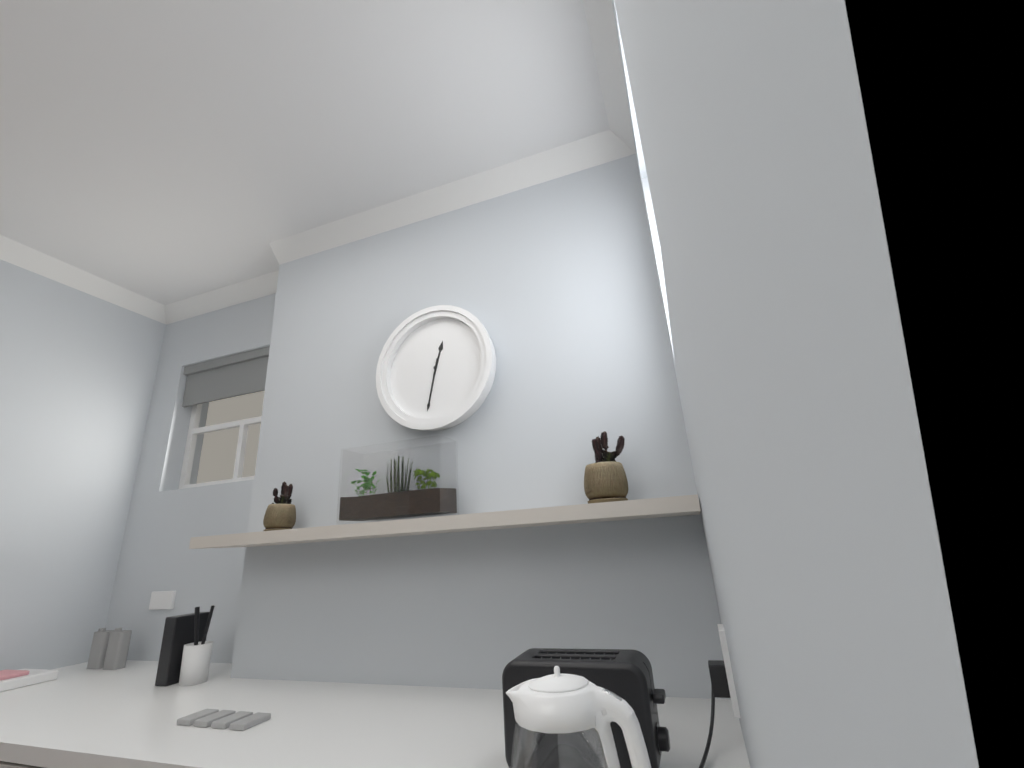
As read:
**12:32**
